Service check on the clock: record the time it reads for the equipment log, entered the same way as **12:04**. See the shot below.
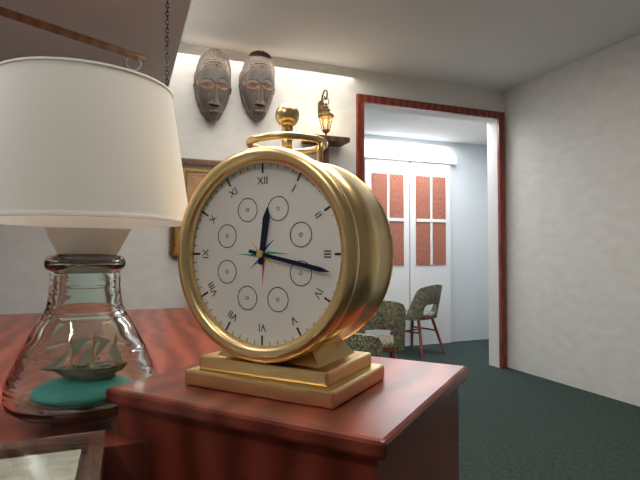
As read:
**12:17**
